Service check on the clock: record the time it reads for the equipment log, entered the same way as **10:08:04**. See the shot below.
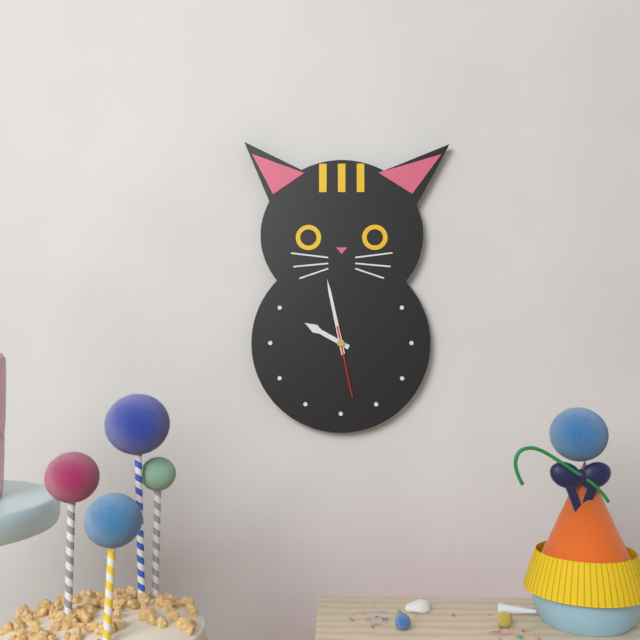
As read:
**9:58:28**
